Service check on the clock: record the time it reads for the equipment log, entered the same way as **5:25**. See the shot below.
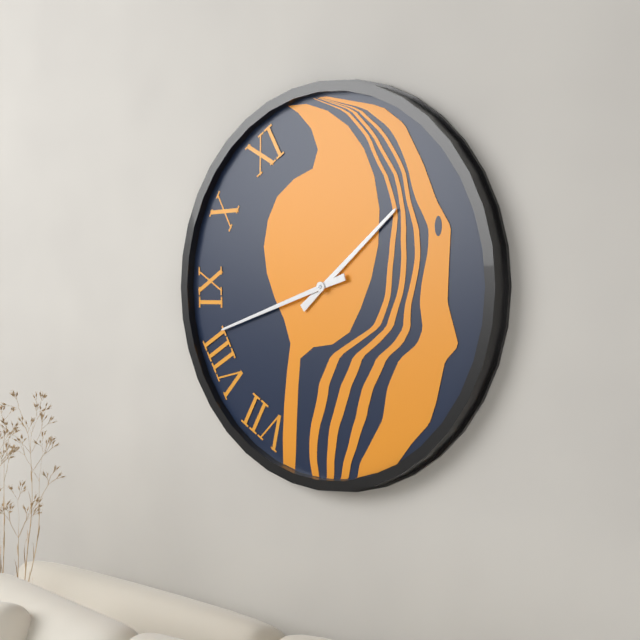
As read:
**1:42**
